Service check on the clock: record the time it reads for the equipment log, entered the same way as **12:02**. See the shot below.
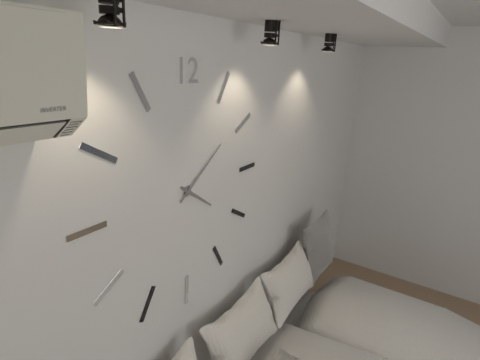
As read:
**4:09**
